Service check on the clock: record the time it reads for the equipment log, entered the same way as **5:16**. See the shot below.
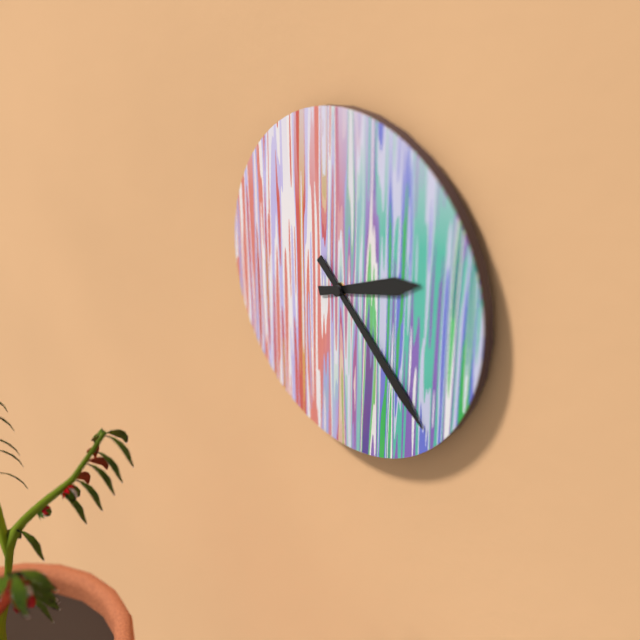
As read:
**2:22**
